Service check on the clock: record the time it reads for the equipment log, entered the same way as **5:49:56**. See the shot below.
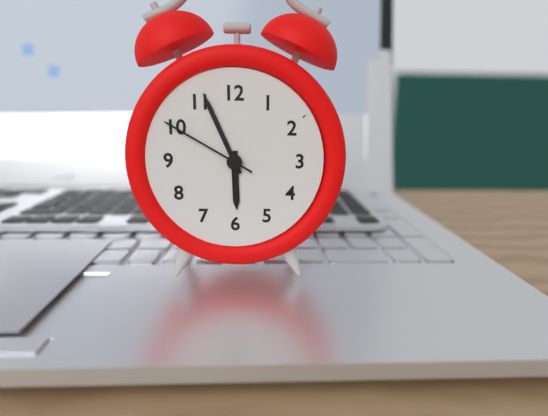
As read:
**5:56:50**
